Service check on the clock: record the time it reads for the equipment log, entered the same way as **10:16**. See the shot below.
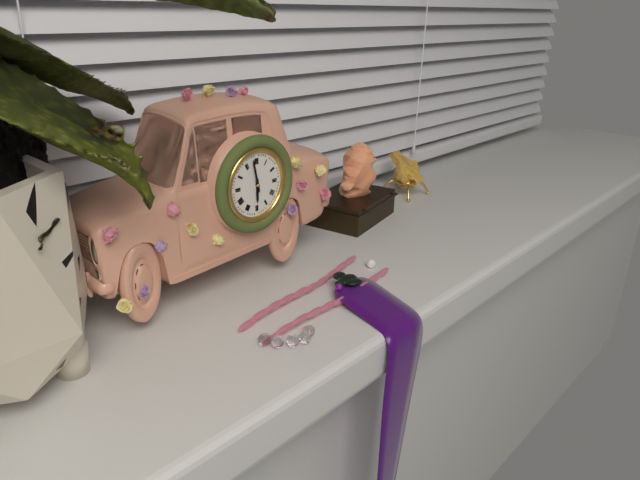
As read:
**5:58**
